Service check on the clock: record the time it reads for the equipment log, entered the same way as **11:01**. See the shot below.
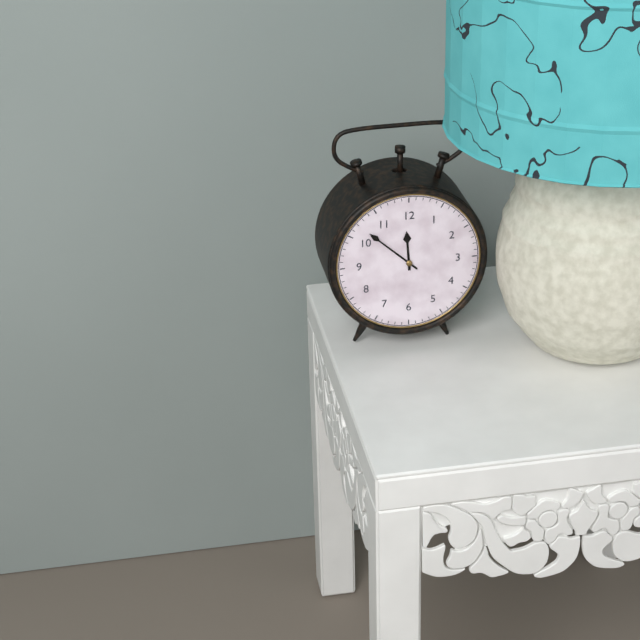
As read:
**11:52**
